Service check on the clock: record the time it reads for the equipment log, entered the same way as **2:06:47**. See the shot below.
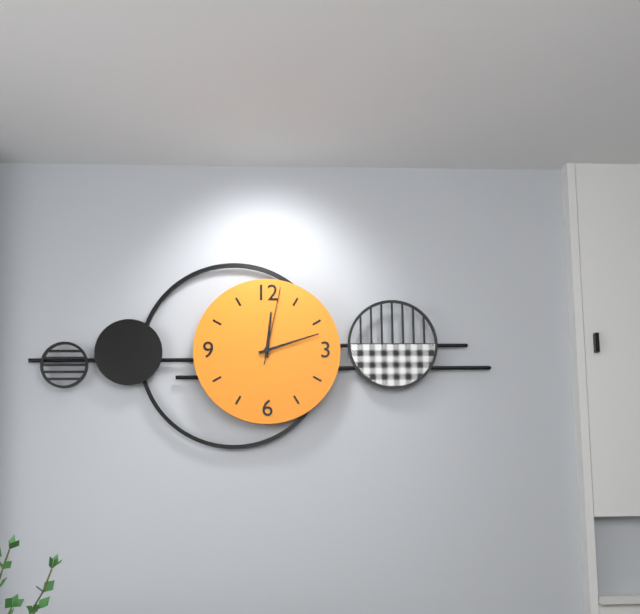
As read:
**12:12:02**
